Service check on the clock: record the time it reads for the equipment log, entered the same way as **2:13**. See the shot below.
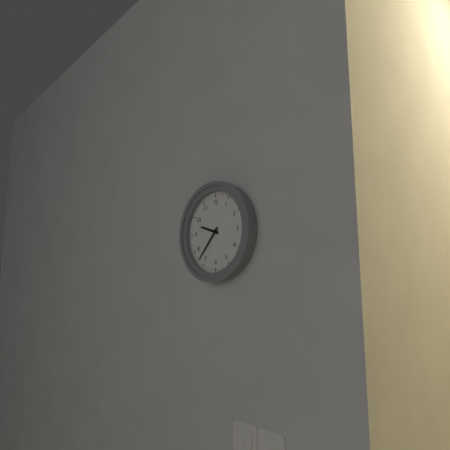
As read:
**9:37**
